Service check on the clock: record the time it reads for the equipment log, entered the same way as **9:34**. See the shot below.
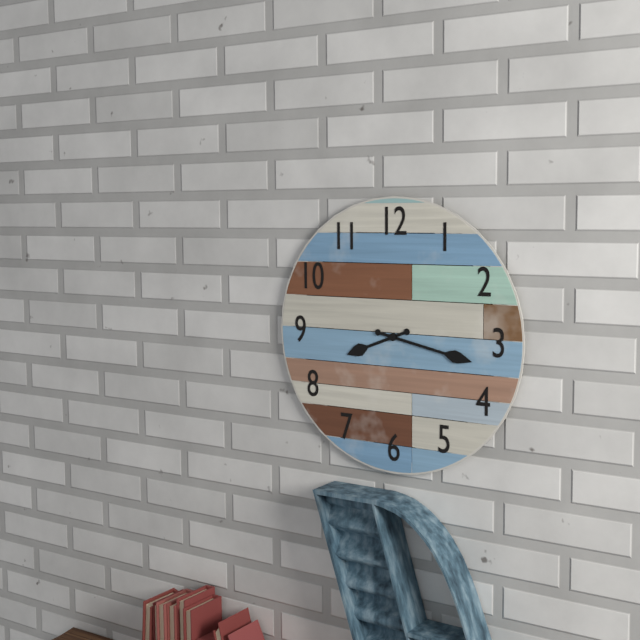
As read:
**8:17**
